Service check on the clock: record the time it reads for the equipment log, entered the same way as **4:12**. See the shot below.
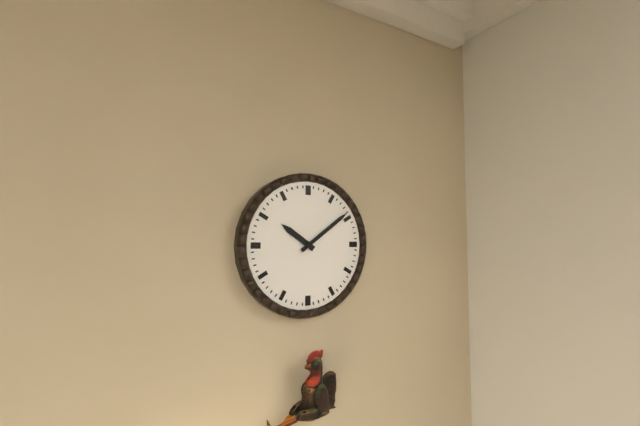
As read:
**10:09**
